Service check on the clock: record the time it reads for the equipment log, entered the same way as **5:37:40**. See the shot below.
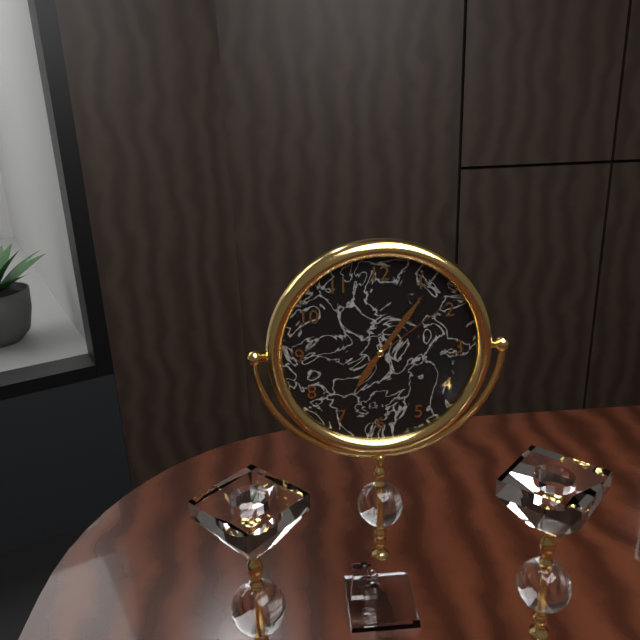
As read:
**7:06:09**
